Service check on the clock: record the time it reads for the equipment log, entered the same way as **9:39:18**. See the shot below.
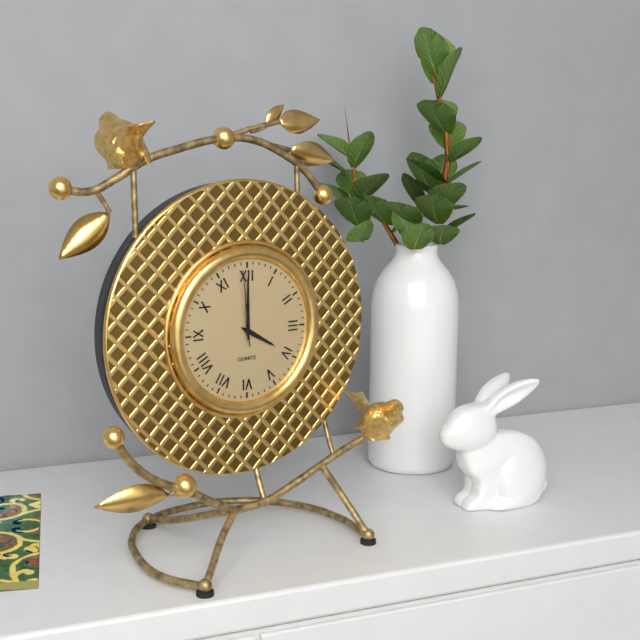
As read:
**4:00:59**
